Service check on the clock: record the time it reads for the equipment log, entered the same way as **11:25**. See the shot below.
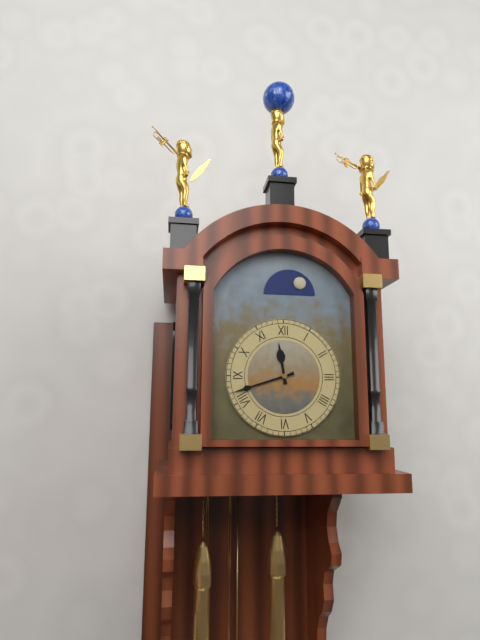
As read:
**11:42**
